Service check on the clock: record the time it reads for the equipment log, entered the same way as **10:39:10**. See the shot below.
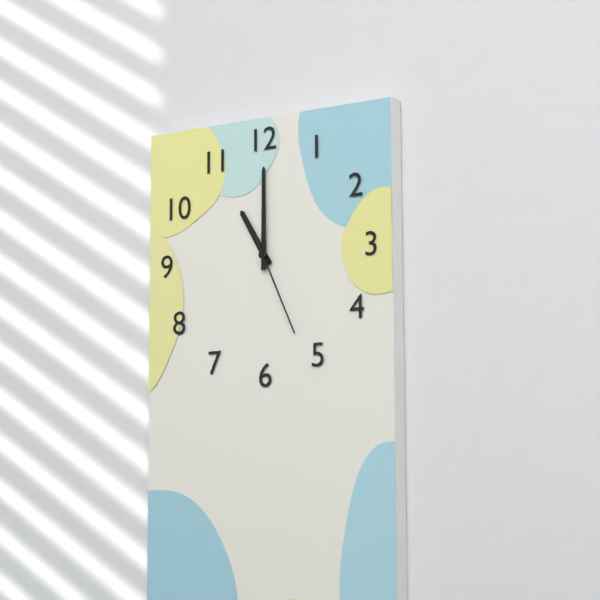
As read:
**11:00:26**
